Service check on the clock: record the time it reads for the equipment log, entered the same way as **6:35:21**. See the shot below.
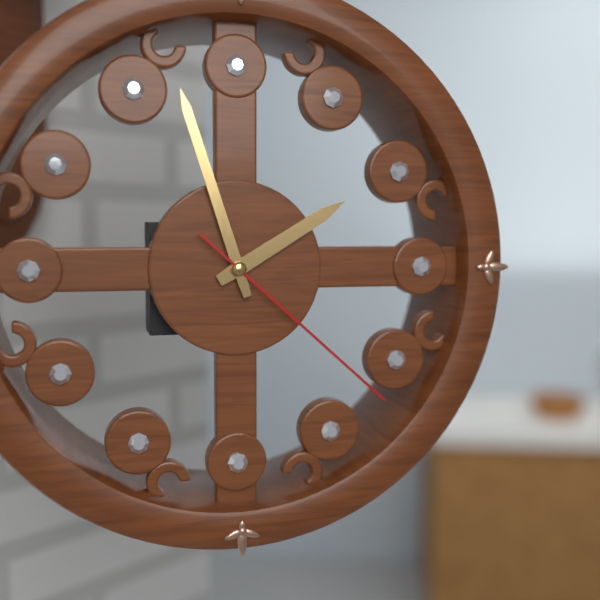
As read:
**1:57:22**
